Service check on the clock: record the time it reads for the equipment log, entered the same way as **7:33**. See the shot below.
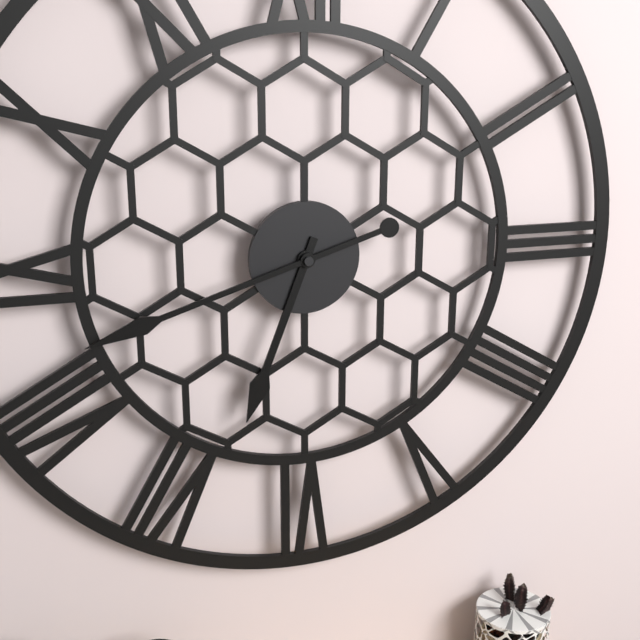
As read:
**6:42**
